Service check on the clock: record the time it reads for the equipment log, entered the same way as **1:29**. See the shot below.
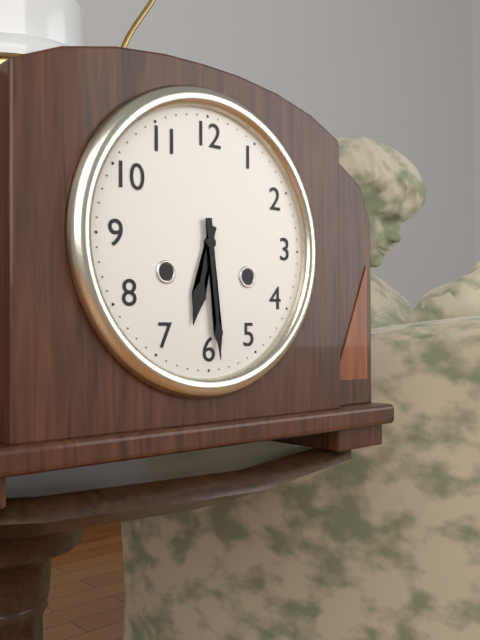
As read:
**6:29**
